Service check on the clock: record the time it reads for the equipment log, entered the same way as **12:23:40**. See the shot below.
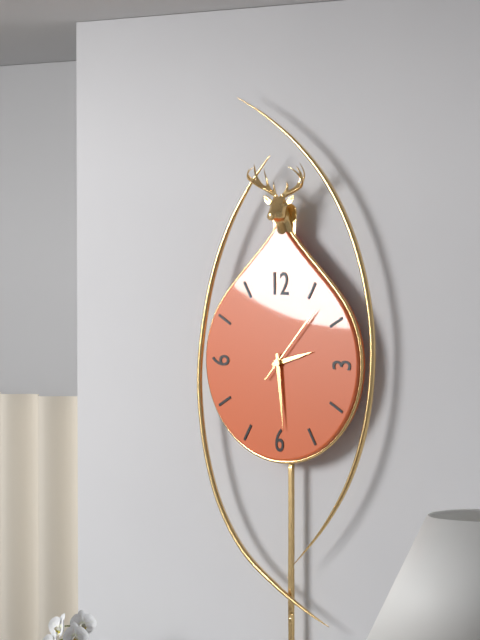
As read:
**2:29:07**
